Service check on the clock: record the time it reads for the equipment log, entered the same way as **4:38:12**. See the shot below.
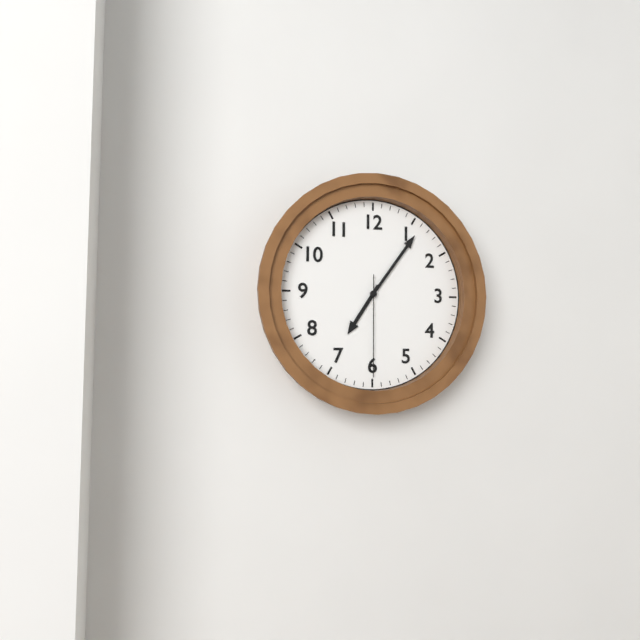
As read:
**7:06:30**
